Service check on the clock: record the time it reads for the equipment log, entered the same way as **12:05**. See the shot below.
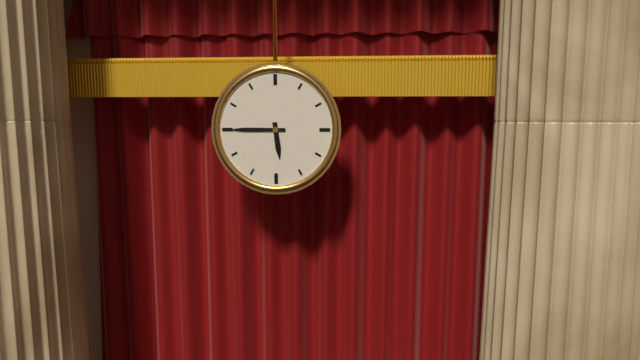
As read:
**5:45**
